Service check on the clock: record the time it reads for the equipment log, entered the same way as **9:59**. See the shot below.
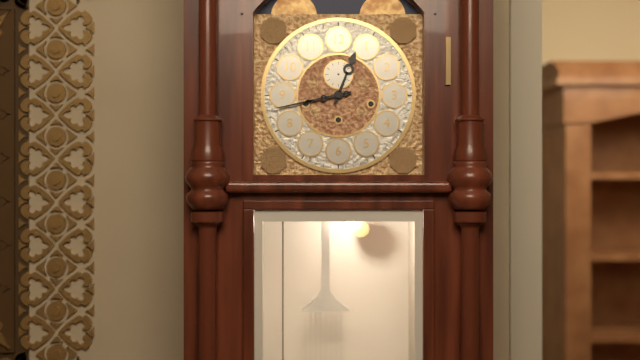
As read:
**12:43**
